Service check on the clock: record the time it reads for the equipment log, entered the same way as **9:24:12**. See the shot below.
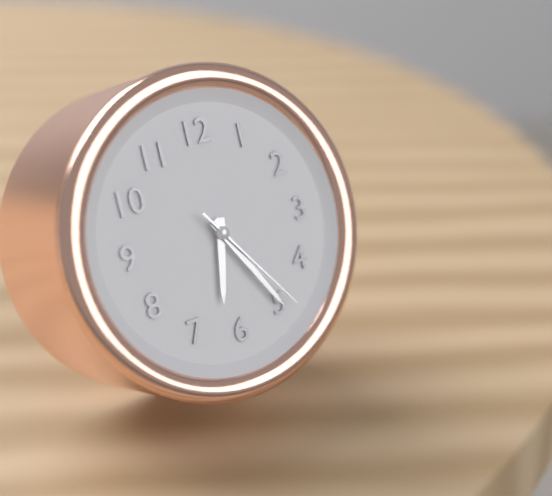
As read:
**6:25:24**
